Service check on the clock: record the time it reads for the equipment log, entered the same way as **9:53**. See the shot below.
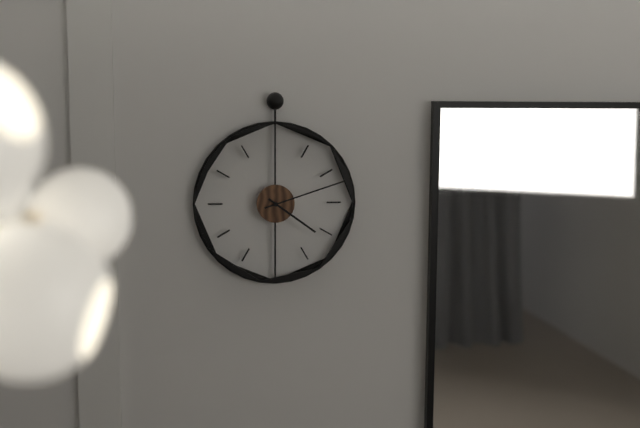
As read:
**4:12**
